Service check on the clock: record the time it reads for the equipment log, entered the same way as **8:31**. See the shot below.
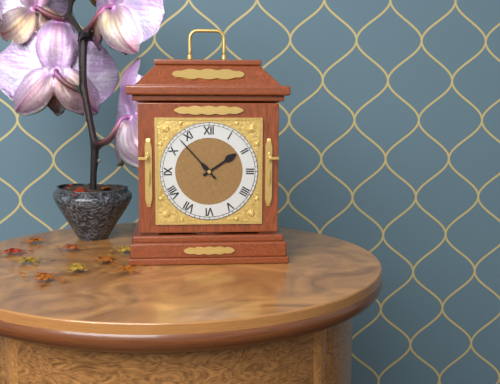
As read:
**1:53**
